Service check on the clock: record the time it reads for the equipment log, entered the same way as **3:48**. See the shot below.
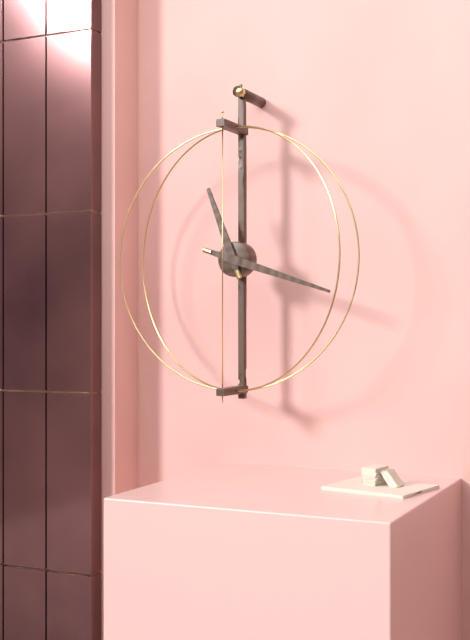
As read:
**11:18**
